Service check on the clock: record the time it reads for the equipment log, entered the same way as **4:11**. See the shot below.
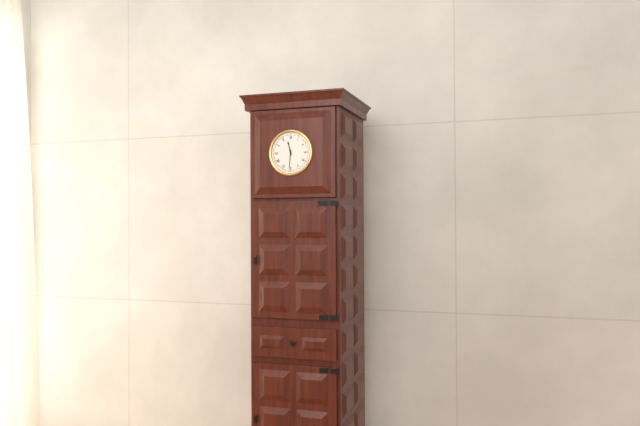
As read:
**11:31**
